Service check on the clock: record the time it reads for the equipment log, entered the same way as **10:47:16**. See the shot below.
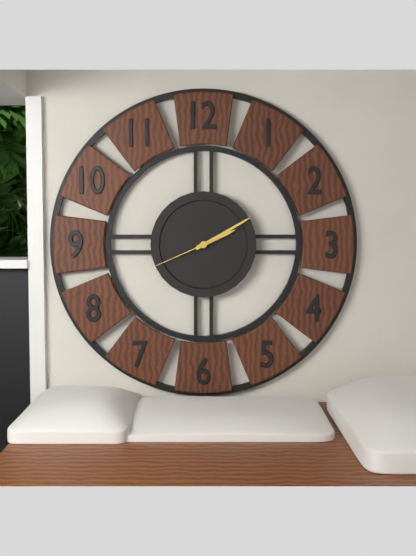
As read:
**2:10:41**
